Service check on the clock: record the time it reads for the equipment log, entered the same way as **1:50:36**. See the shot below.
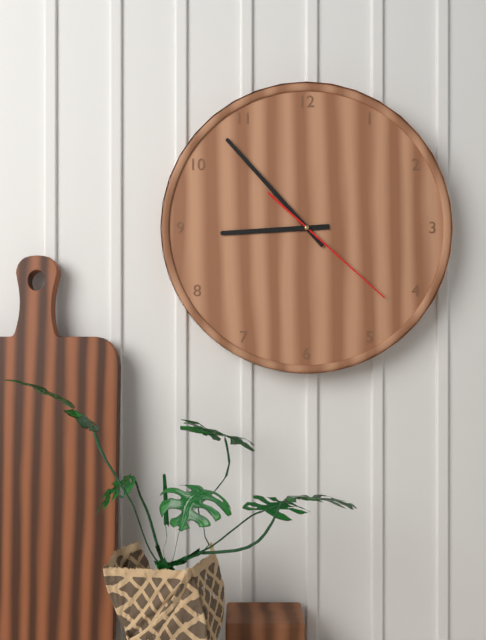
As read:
**8:53:22**
